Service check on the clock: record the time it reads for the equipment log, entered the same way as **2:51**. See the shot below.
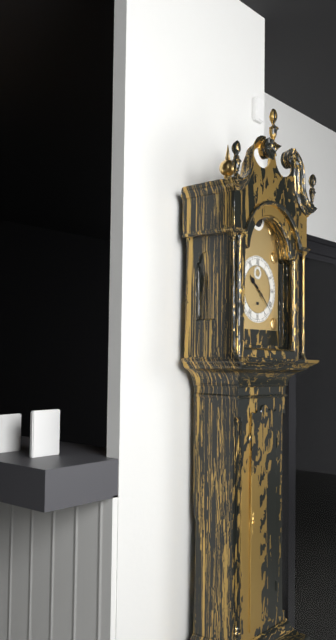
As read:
**10:22**
